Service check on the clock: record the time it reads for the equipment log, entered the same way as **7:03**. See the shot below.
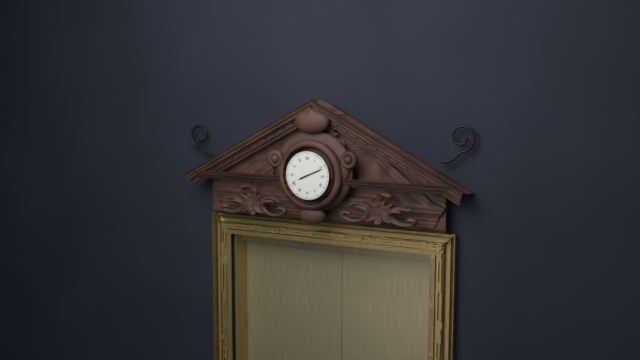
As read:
**8:11**
